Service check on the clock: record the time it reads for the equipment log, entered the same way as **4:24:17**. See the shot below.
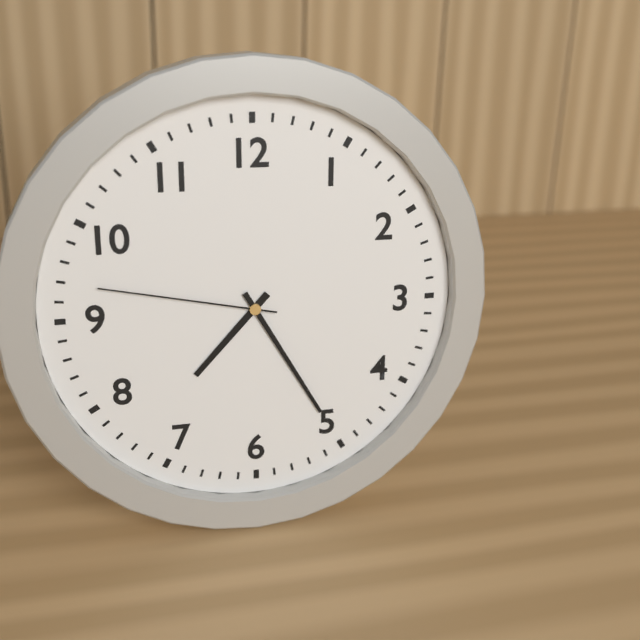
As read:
**7:25:47**
